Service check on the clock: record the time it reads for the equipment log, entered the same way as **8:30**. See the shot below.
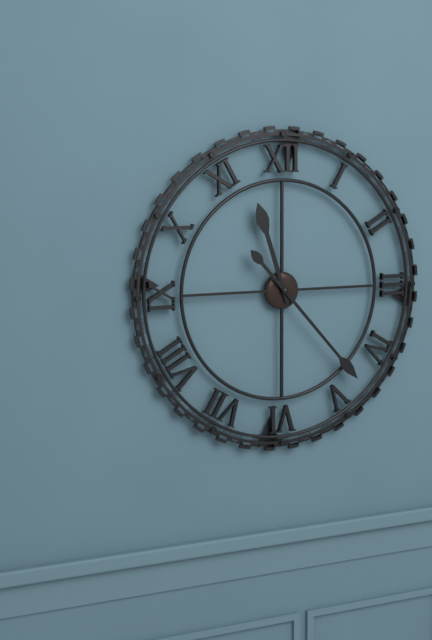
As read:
**11:23**
